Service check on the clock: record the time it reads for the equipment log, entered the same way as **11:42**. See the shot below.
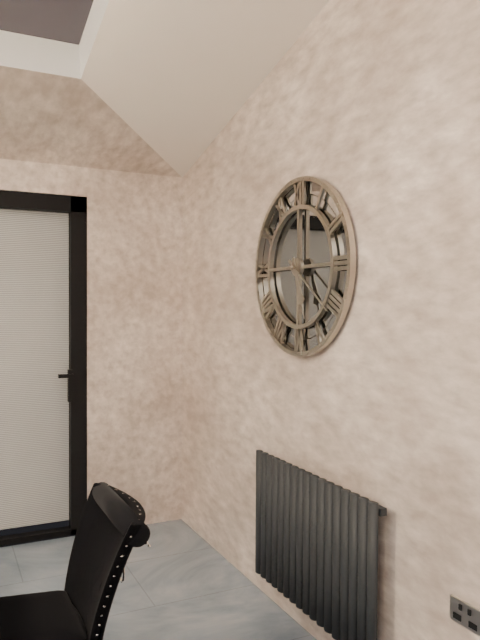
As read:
**5:21**
